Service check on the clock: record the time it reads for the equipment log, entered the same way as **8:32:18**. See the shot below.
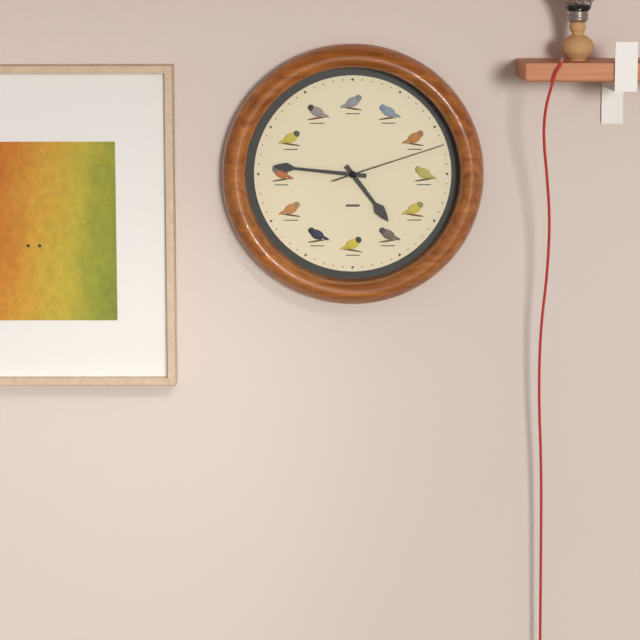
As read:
**4:46:12**
